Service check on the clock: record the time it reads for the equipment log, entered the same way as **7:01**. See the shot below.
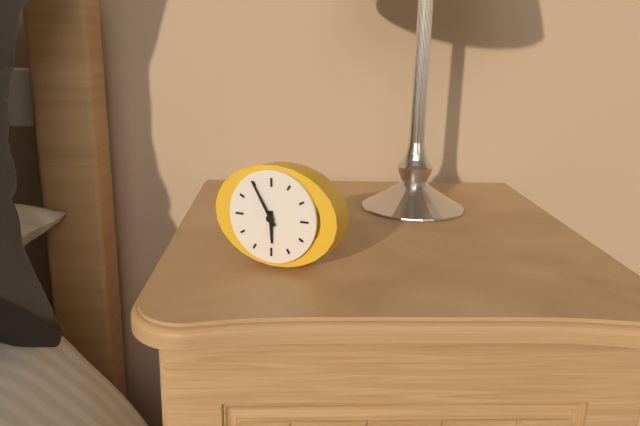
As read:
**5:55**
